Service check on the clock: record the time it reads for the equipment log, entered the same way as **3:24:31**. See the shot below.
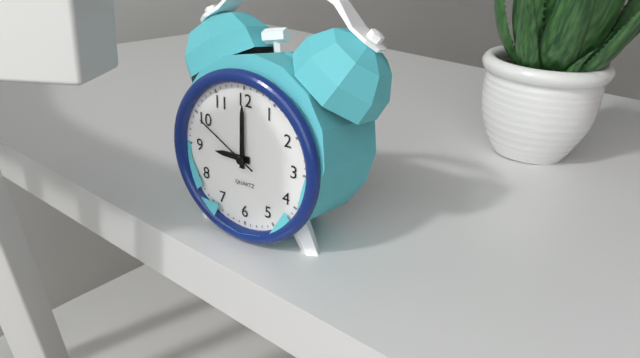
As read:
**9:00:50**
